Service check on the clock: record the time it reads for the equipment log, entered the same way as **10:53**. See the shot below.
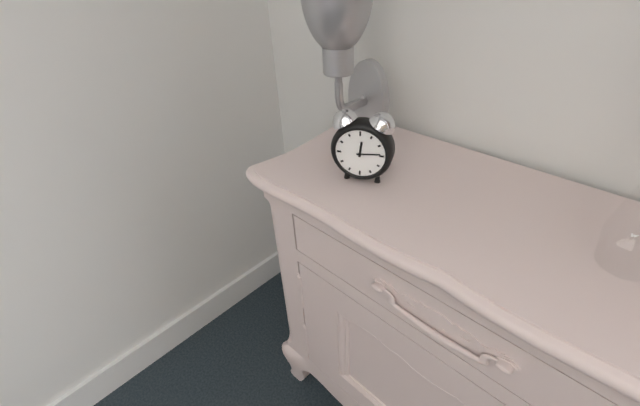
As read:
**12:14**
